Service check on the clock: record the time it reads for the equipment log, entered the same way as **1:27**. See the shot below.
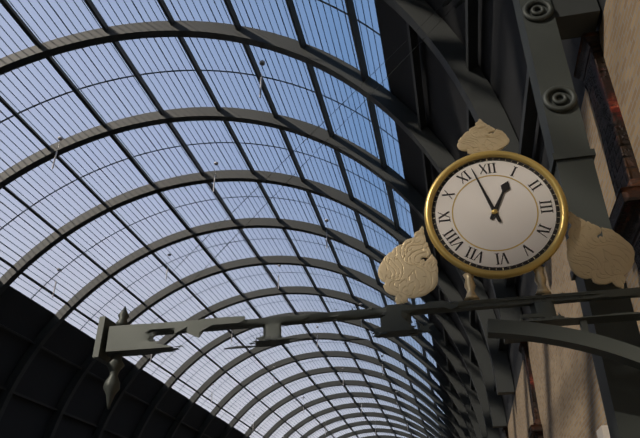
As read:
**12:57**
